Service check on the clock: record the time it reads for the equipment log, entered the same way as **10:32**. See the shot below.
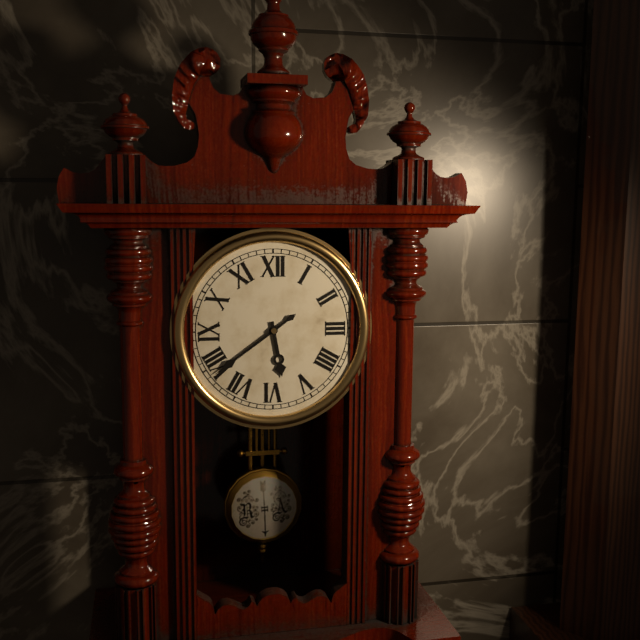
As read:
**5:39**
